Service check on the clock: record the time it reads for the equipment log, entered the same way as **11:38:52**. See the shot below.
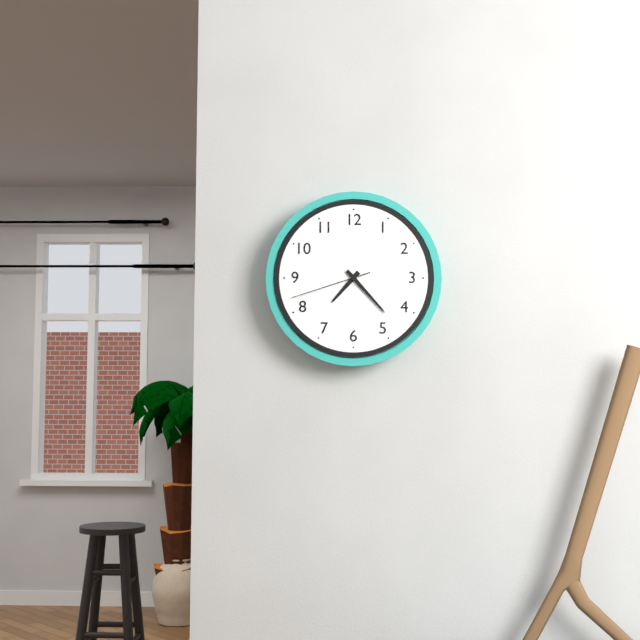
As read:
**7:23:42**
